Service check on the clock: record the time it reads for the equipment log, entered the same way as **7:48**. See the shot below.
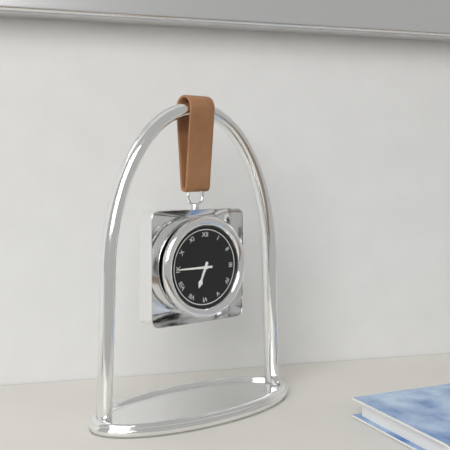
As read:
**6:45**
